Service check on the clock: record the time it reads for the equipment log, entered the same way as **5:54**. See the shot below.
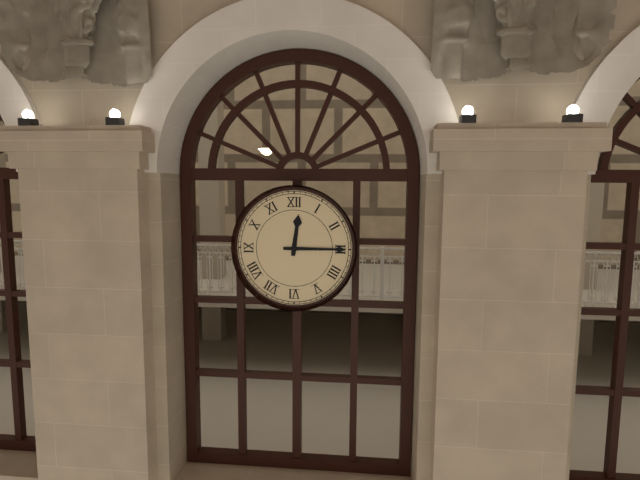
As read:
**12:15**
